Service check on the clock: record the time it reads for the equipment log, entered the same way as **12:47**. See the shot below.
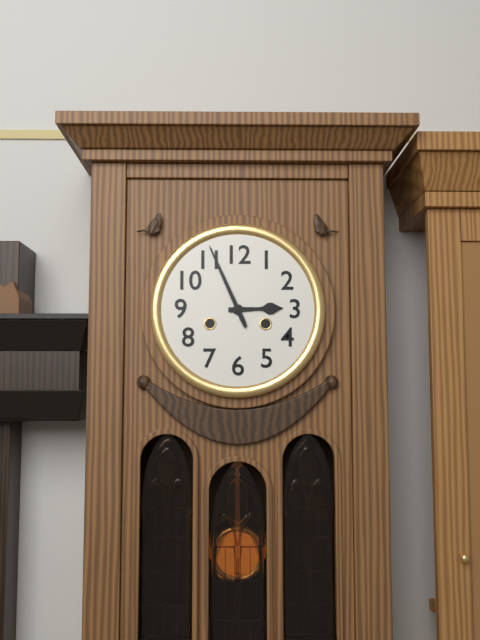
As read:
**2:56**
